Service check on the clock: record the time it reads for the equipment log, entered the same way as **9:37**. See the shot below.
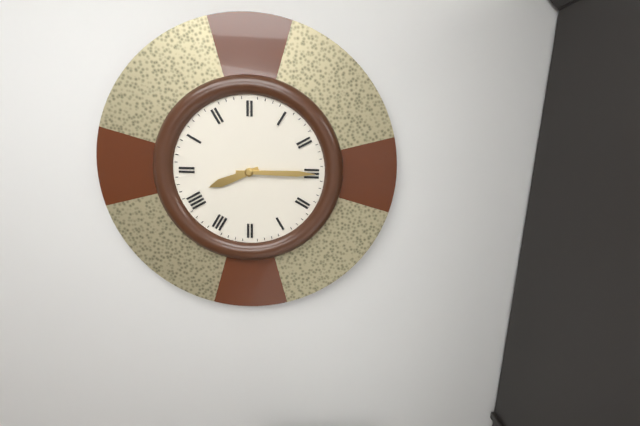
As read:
**8:15**
